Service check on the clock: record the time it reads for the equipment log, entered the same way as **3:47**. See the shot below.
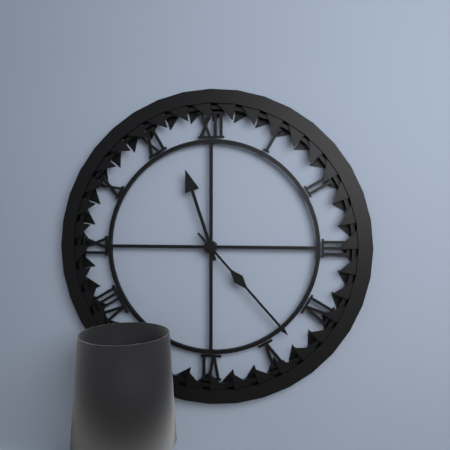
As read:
**11:23**
